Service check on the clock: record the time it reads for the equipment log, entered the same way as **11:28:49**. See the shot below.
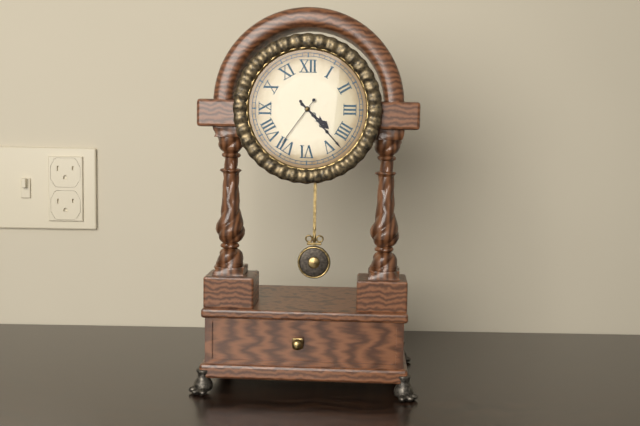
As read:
**4:23:36**
